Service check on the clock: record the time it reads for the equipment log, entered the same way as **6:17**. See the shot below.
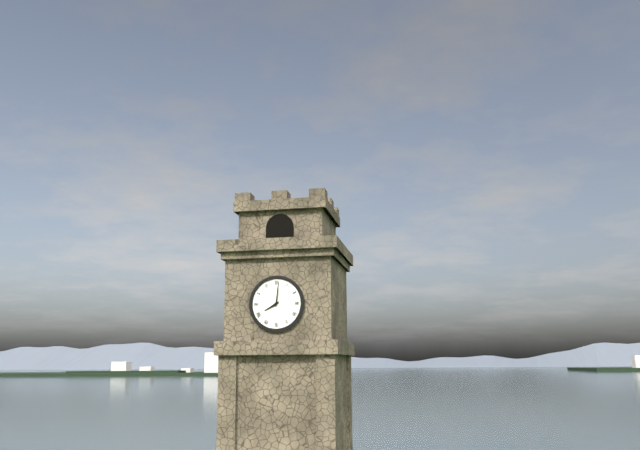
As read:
**8:01**
